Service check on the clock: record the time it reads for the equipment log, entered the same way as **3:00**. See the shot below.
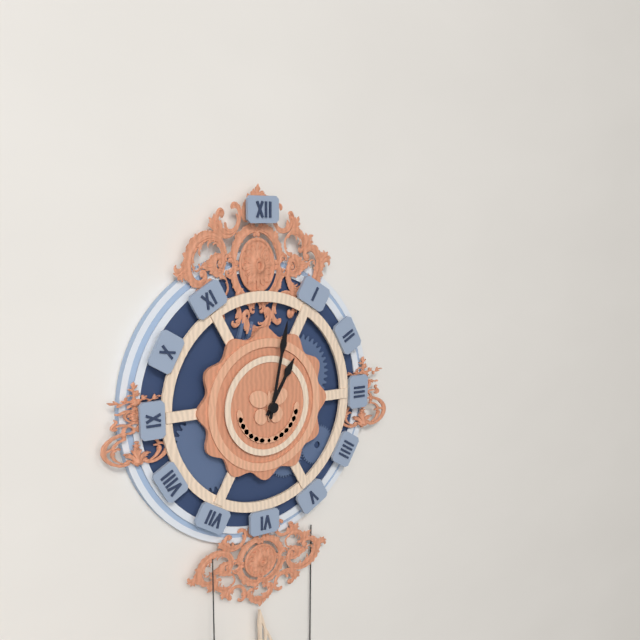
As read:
**1:02**
